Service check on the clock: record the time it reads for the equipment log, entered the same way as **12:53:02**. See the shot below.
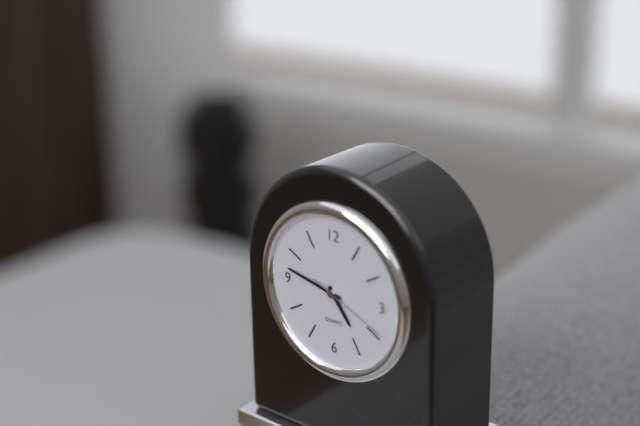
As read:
**4:47:19**
